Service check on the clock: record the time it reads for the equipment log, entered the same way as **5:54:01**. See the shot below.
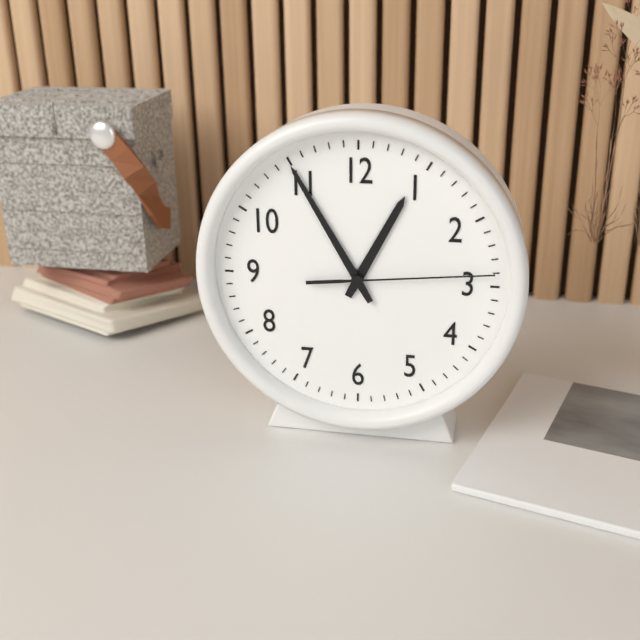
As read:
**12:55:14**
